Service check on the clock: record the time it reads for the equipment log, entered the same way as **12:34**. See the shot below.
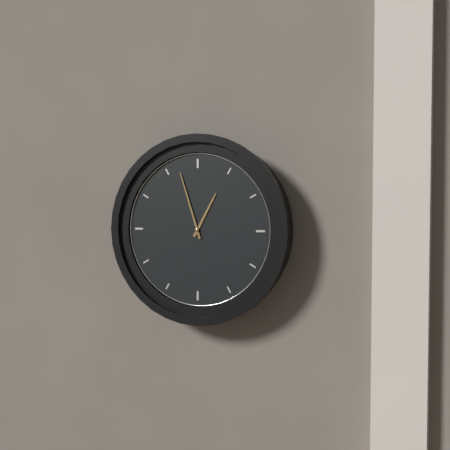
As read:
**12:57**
